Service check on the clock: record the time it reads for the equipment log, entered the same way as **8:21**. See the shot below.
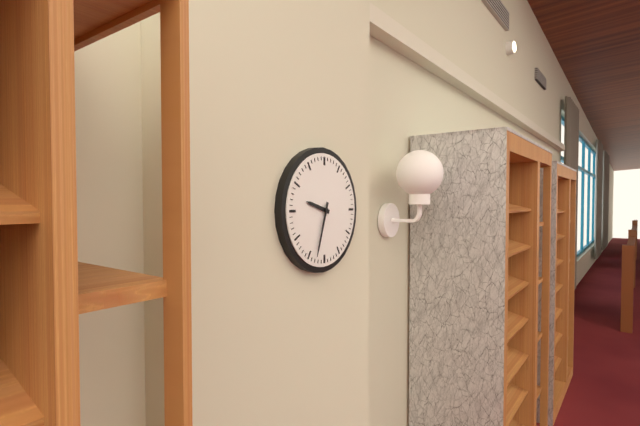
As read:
**9:33**
